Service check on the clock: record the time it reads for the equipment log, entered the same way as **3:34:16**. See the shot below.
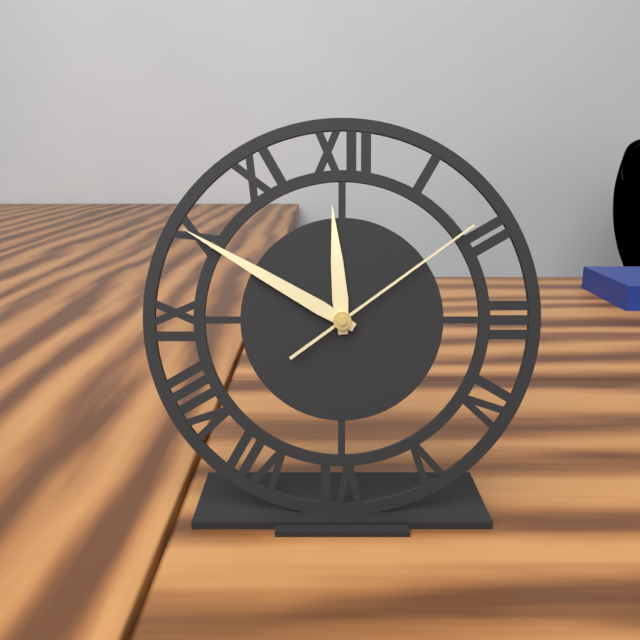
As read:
**11:50:09**
